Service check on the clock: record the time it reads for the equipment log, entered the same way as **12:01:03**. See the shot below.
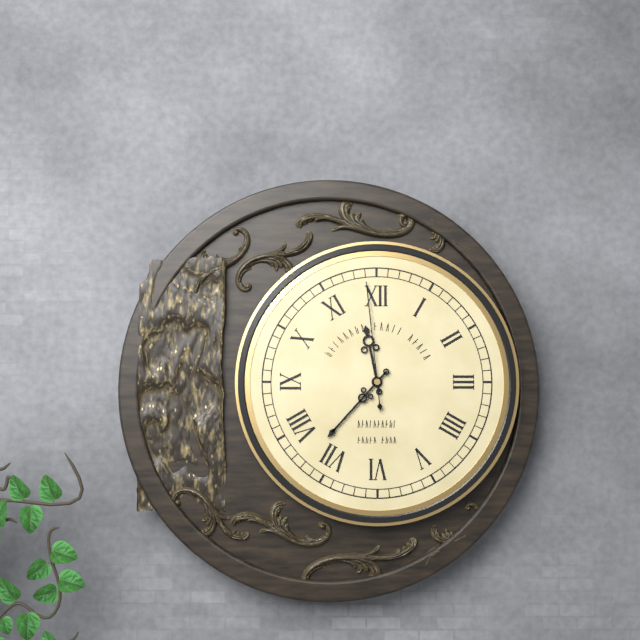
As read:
**11:37:59**
